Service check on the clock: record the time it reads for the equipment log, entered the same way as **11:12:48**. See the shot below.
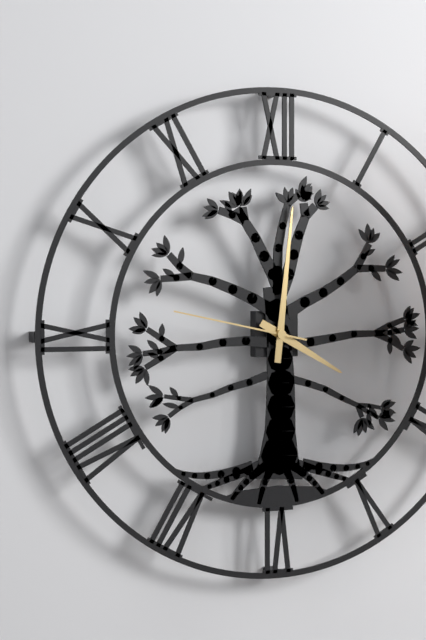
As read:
**4:01:47**
